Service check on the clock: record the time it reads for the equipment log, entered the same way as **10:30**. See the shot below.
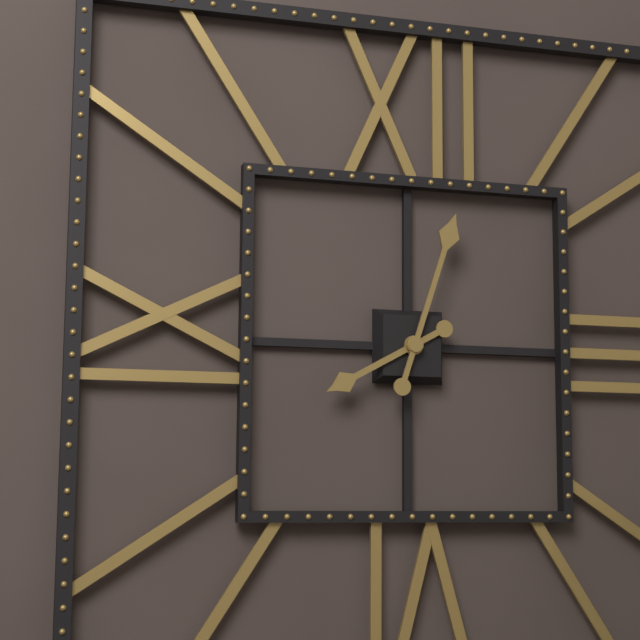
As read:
**8:03**
